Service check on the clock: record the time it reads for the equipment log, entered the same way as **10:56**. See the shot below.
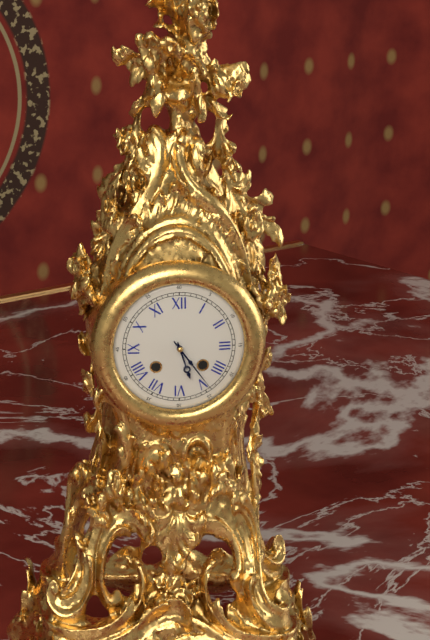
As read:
**5:24**
